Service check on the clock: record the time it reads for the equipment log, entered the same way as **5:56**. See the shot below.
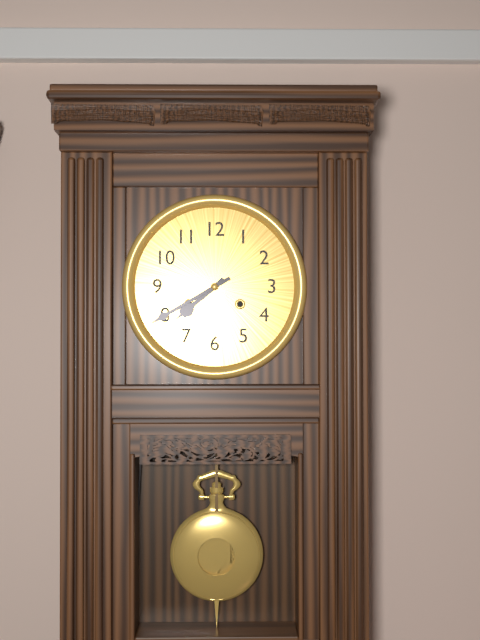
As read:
**7:40**
